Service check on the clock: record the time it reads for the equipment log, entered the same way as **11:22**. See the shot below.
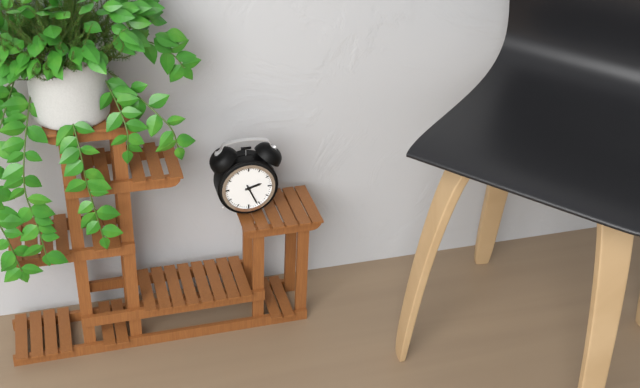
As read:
**2:26**
